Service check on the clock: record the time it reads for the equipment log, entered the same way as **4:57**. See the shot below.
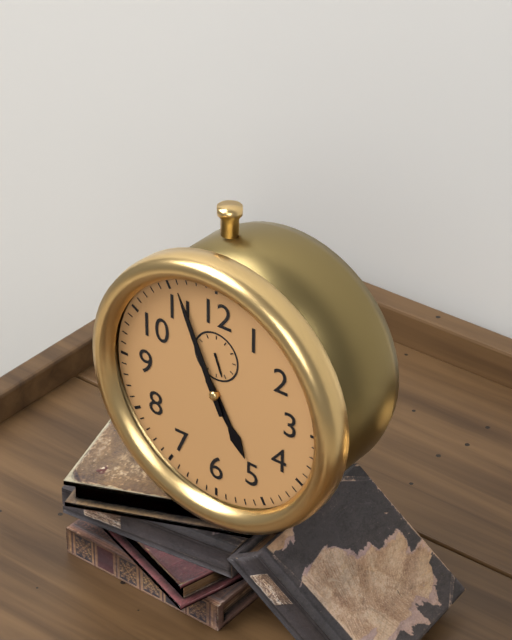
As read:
**4:56**
